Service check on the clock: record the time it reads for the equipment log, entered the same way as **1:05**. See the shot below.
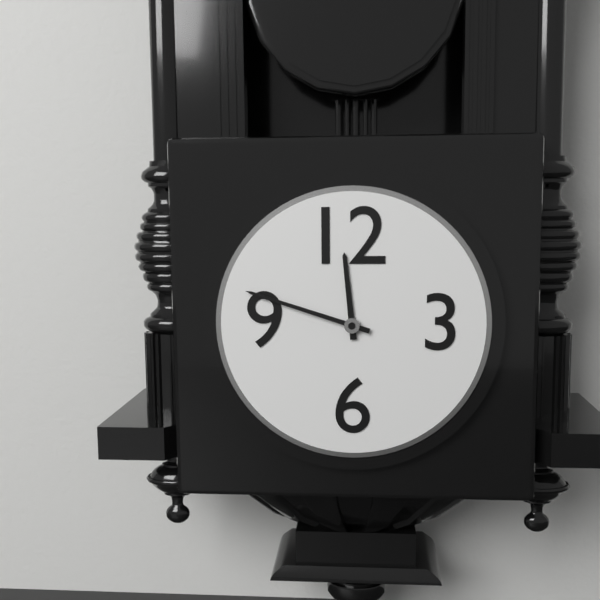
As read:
**11:48**
